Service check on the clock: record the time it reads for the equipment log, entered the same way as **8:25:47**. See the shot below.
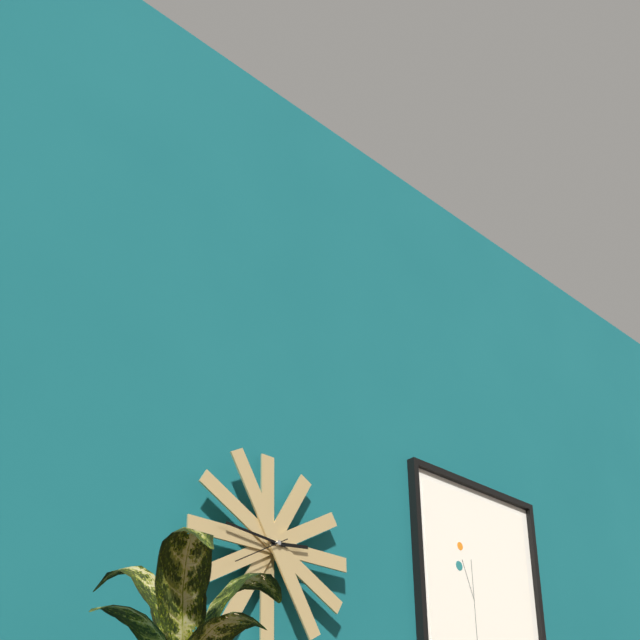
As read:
**2:46:40**
